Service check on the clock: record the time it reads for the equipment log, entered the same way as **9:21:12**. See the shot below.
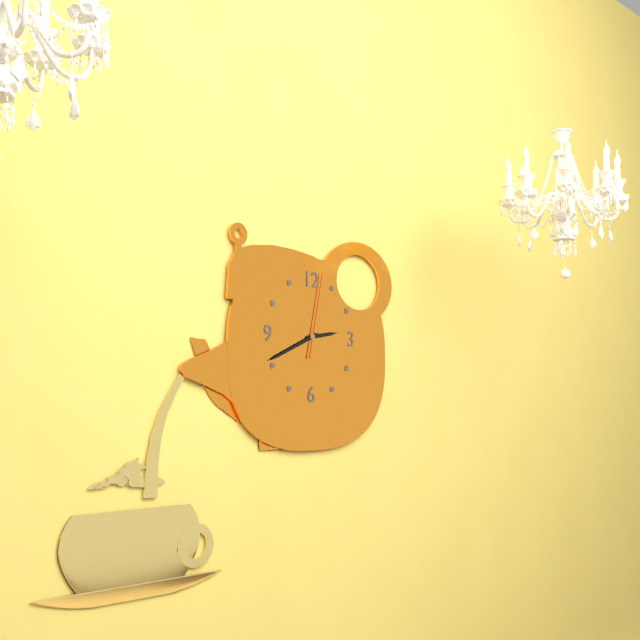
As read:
**2:41:02**
